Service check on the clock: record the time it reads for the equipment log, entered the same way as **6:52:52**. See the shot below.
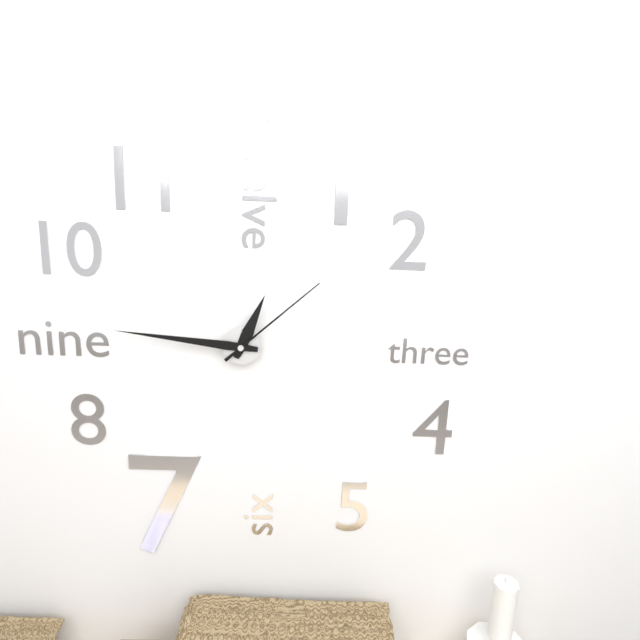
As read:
**12:46:08**
